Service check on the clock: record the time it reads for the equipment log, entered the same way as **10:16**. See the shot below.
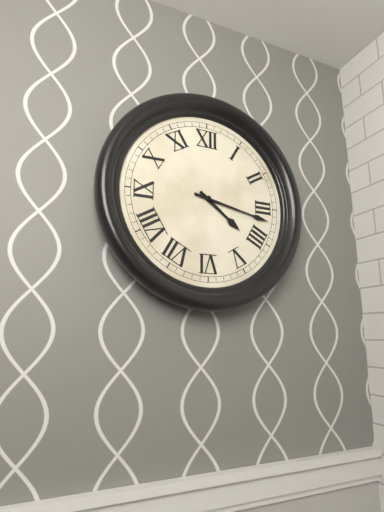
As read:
**4:17**
